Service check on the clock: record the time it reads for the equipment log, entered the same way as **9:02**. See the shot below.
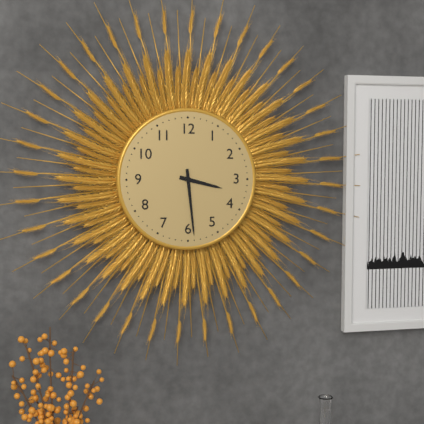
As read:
**3:29**
